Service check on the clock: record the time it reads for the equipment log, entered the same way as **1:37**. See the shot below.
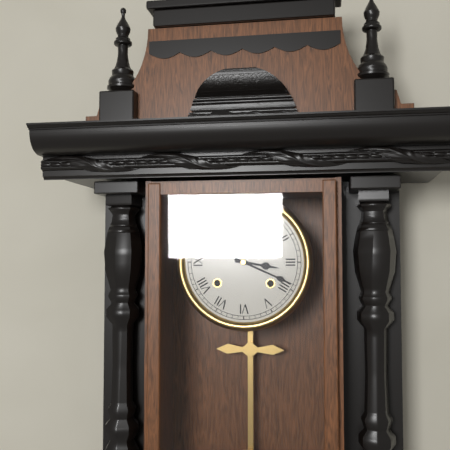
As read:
**3:19**
